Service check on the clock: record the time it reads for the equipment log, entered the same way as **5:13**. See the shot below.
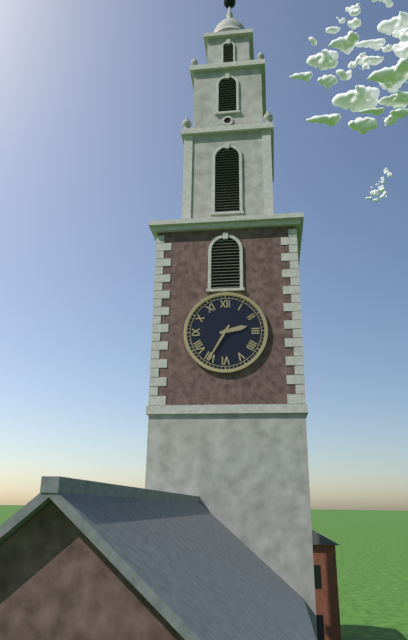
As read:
**2:35**
